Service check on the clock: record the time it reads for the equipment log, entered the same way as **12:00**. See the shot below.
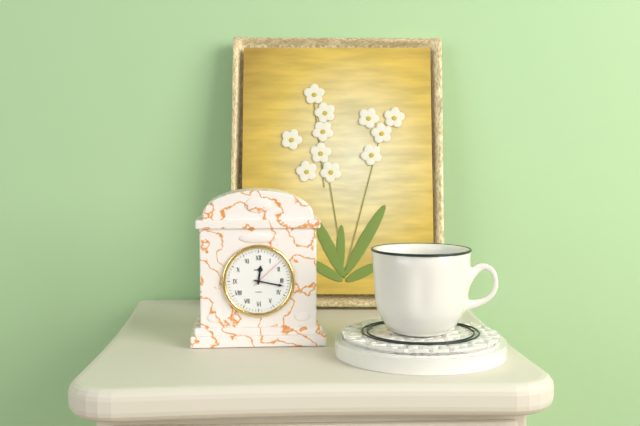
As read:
**12:17**
